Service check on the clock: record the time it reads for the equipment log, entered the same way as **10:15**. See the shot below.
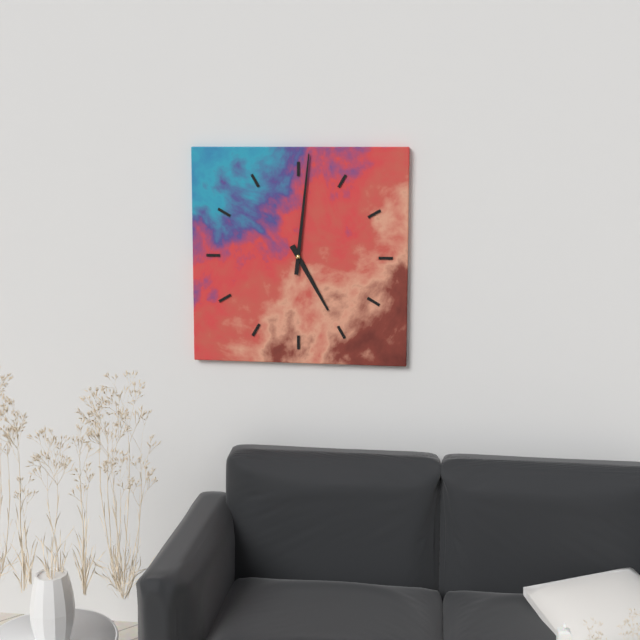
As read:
**5:01**
